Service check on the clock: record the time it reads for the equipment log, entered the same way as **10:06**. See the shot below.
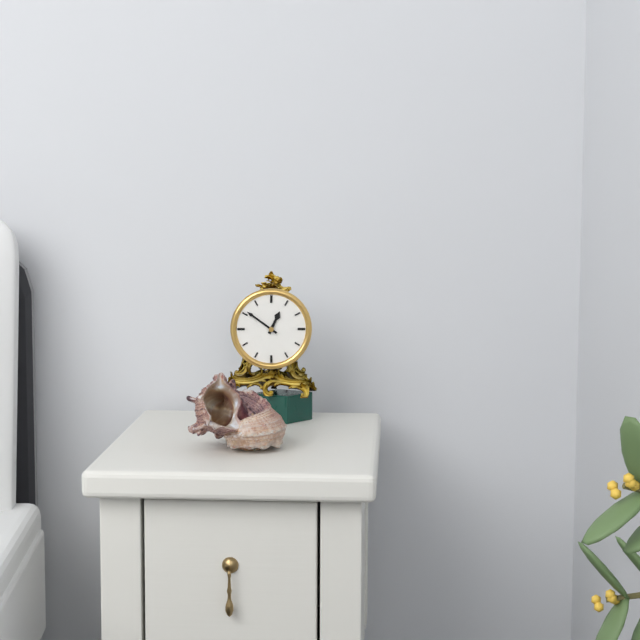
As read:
**12:51**
